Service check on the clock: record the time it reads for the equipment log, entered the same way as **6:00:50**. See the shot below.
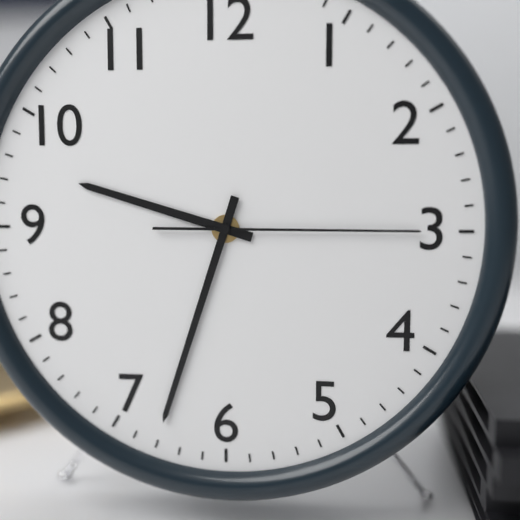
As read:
**9:33:15**
